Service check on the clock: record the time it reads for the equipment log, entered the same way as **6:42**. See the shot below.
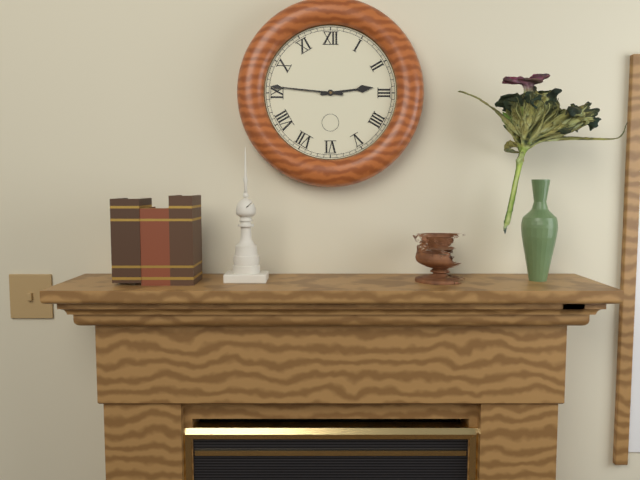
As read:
**2:46**
